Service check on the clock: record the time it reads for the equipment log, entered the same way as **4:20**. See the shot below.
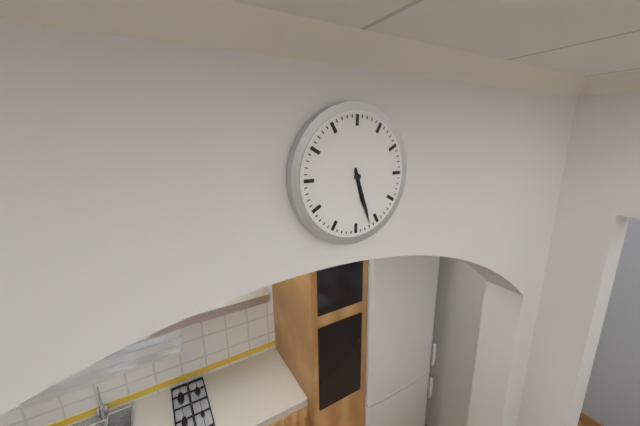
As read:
**5:27**
